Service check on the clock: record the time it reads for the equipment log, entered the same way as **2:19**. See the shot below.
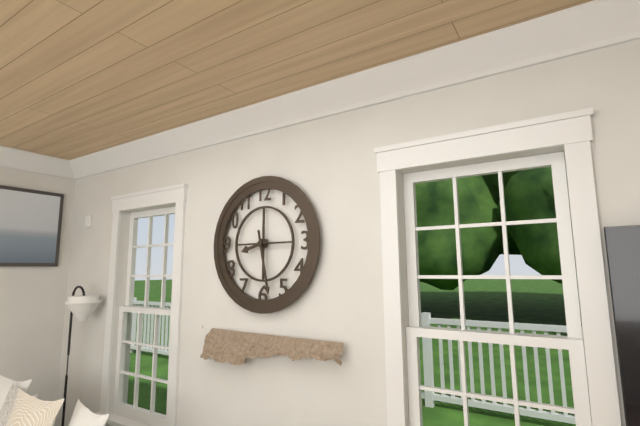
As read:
**8:28**
